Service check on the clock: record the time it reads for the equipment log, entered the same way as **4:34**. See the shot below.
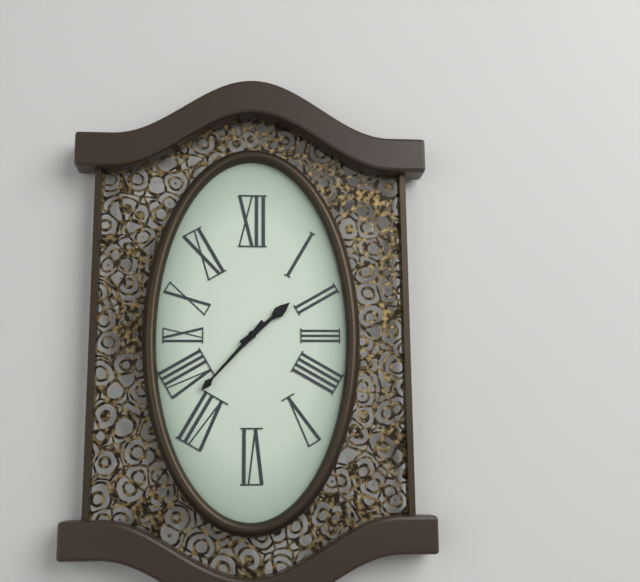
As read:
**1:37**
